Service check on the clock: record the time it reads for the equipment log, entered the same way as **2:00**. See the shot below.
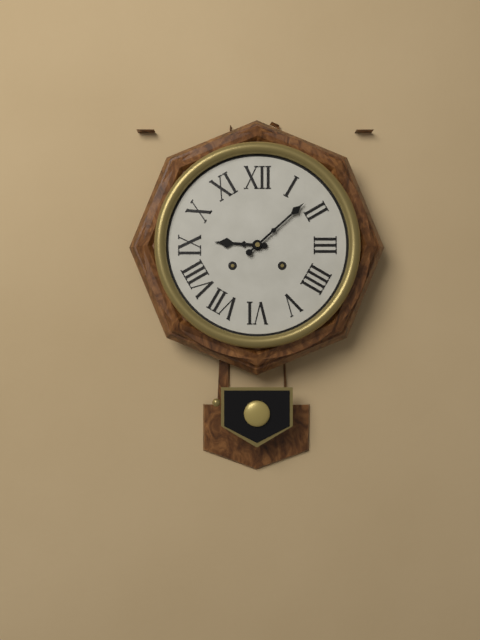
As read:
**9:08**
